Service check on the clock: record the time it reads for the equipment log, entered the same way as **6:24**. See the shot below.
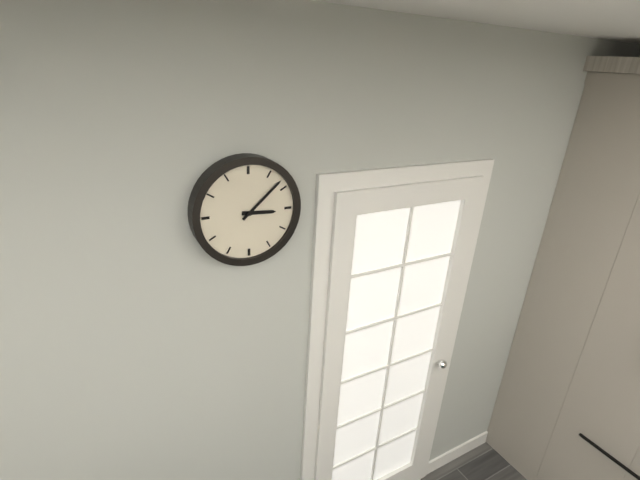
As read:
**3:08**
